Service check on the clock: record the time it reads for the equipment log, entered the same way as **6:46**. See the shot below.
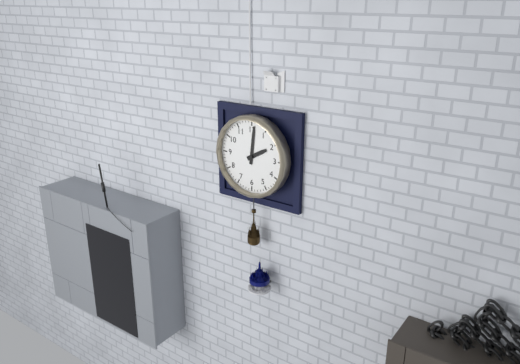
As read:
**2:01**
